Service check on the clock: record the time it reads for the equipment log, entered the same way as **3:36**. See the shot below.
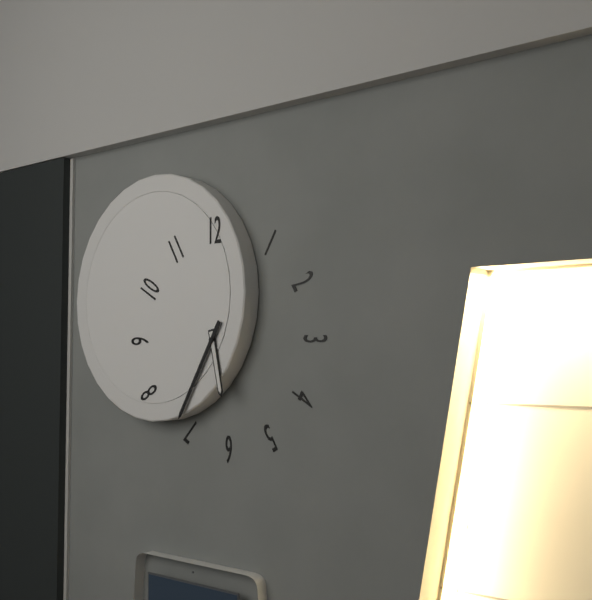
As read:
**5:35**
